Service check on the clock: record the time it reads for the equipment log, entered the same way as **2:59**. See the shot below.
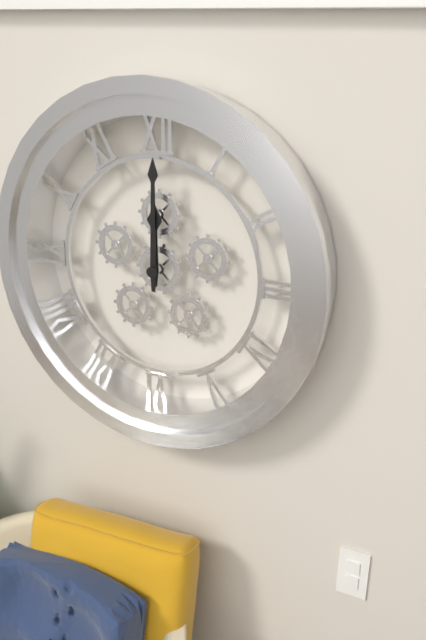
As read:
**12:00**
